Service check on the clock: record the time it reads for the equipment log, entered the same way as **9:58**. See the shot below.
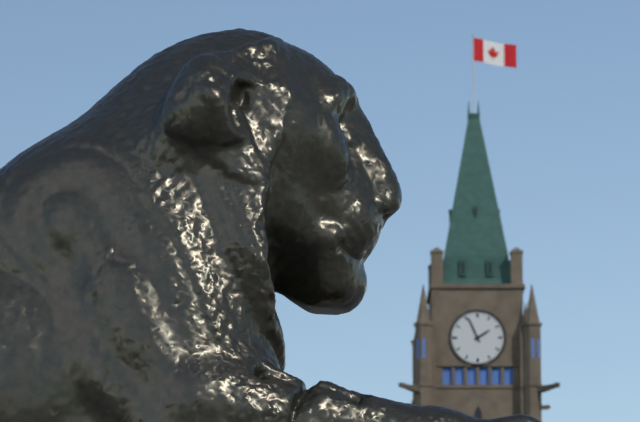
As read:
**1:56**
